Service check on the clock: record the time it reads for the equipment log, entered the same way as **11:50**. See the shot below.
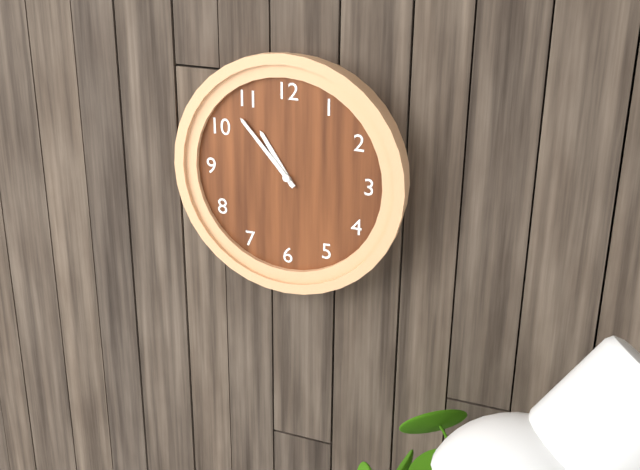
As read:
**10:53**
